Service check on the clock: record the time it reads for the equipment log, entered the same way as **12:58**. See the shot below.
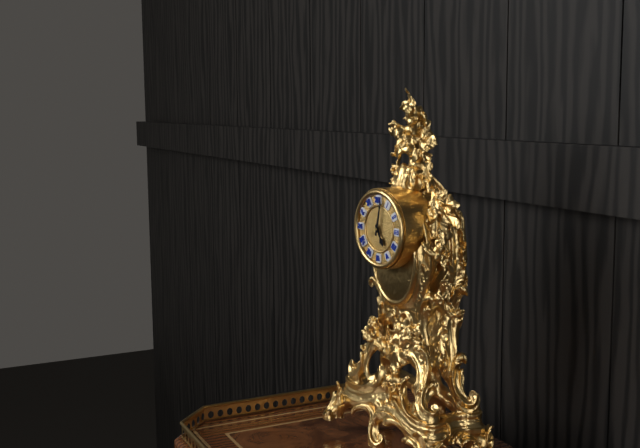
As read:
**5:02**
